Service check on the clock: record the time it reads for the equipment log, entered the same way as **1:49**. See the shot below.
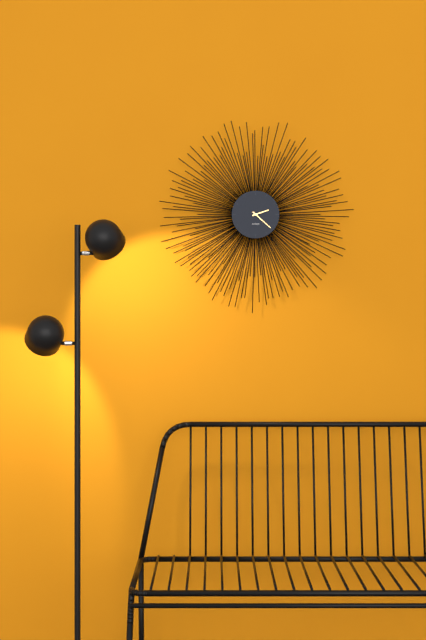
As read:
**2:22**
